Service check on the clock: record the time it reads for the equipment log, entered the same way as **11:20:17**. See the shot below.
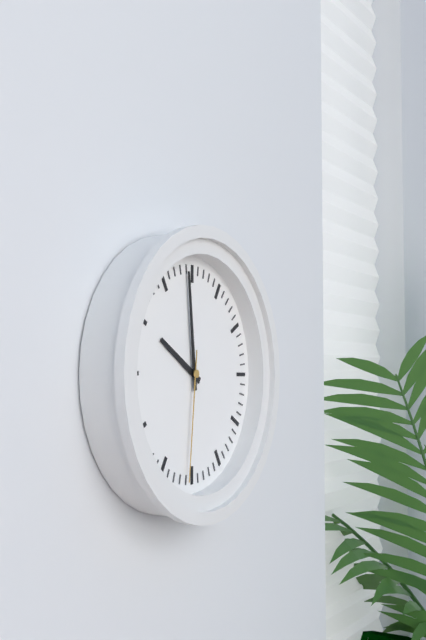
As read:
**9:59:31**
